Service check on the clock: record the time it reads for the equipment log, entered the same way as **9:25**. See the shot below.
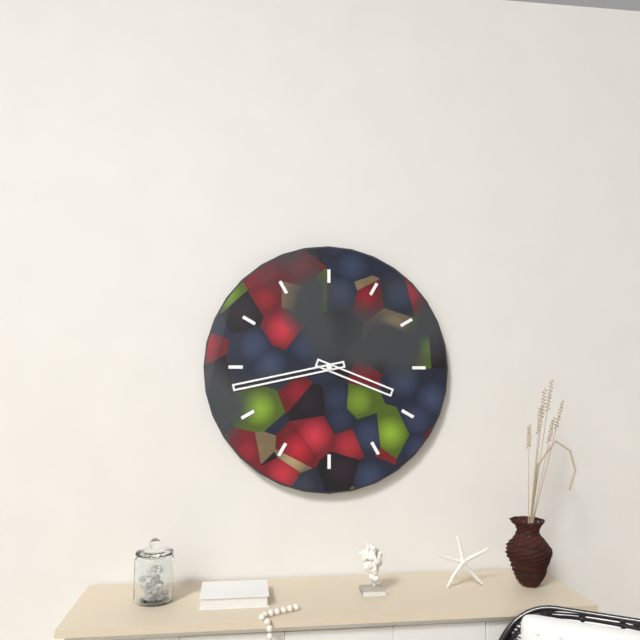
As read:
**3:43**
